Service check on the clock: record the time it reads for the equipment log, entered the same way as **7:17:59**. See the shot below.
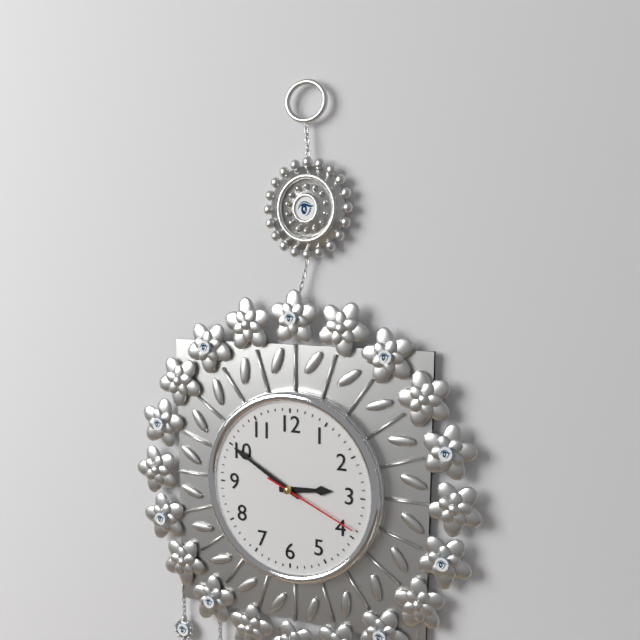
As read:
**2:50:19**
